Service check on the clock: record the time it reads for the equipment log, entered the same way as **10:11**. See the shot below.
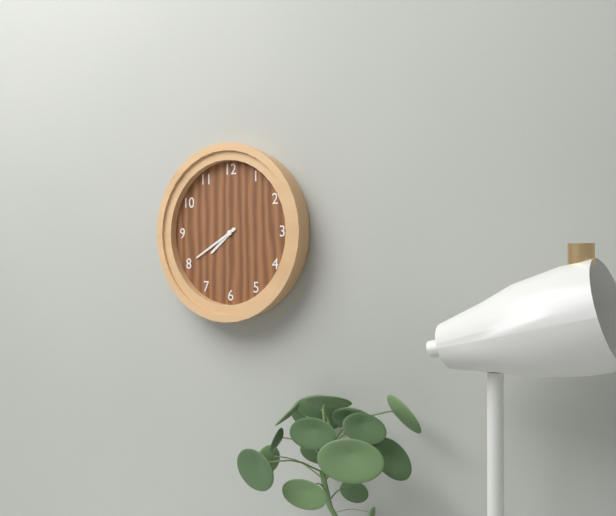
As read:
**7:40**
